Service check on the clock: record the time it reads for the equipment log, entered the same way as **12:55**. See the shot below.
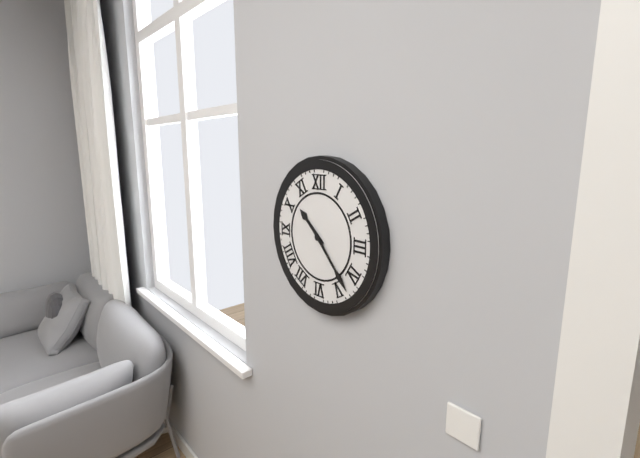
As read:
**10:23**
